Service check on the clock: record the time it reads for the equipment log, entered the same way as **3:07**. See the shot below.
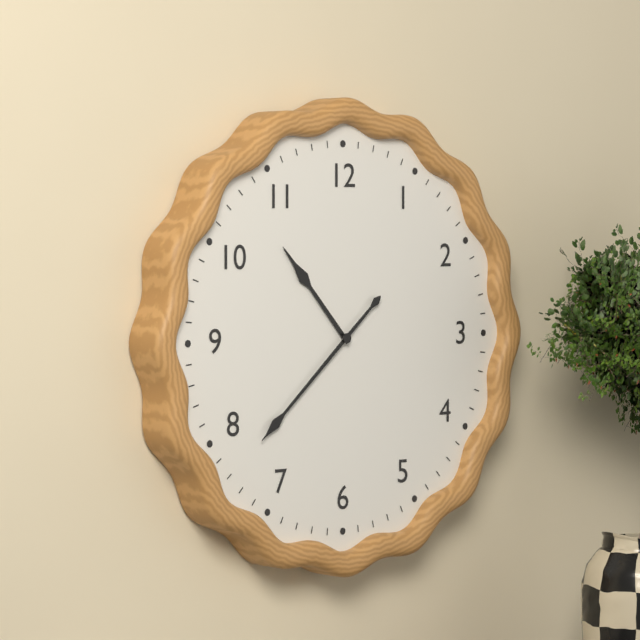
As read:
**10:38**
